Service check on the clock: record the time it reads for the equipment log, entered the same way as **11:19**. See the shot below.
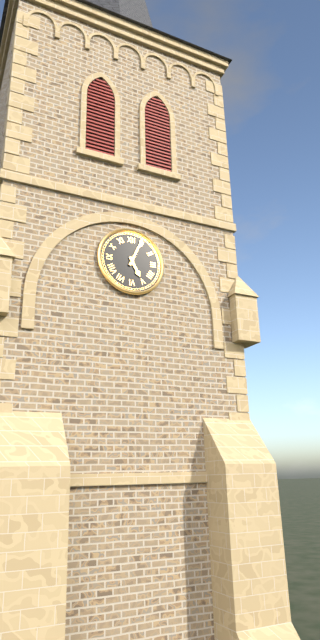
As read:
**5:04**
